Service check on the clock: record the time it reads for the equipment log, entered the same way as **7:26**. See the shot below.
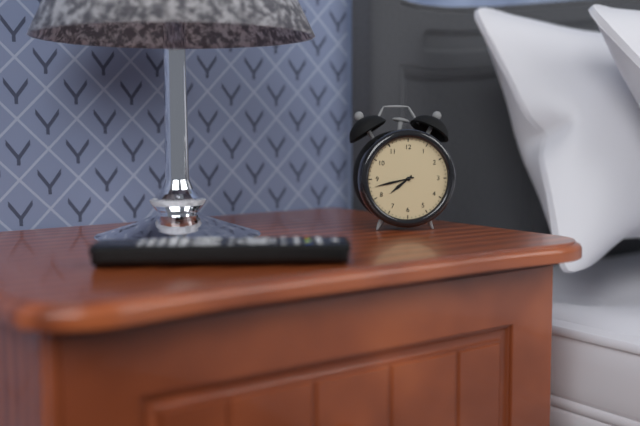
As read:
**7:43**
